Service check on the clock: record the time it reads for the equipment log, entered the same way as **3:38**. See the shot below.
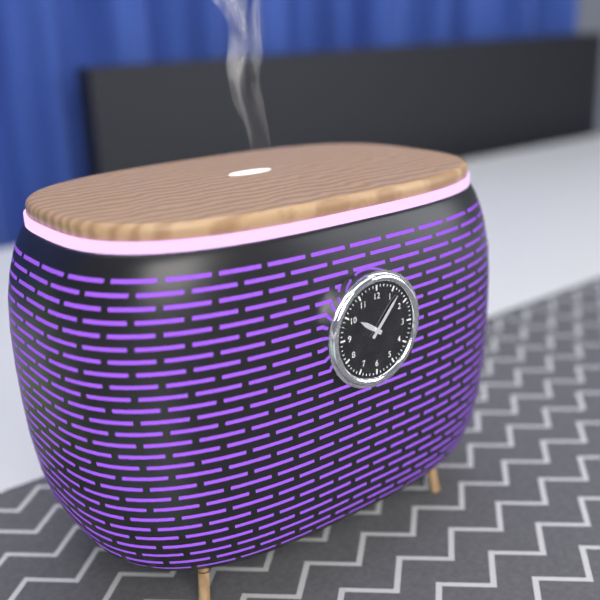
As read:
**10:07**
